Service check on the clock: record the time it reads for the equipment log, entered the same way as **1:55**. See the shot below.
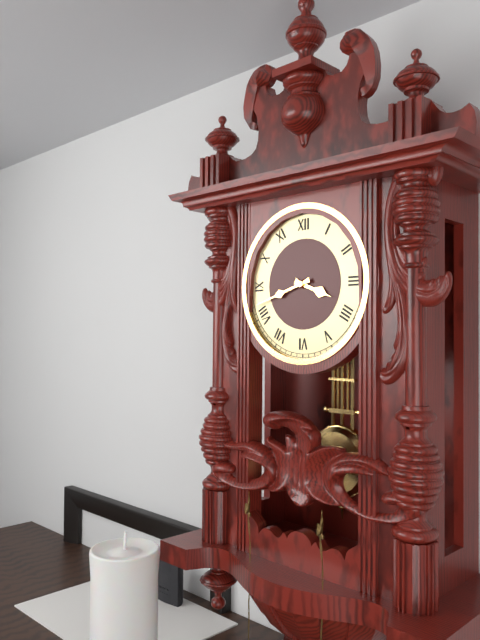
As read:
**3:42**
